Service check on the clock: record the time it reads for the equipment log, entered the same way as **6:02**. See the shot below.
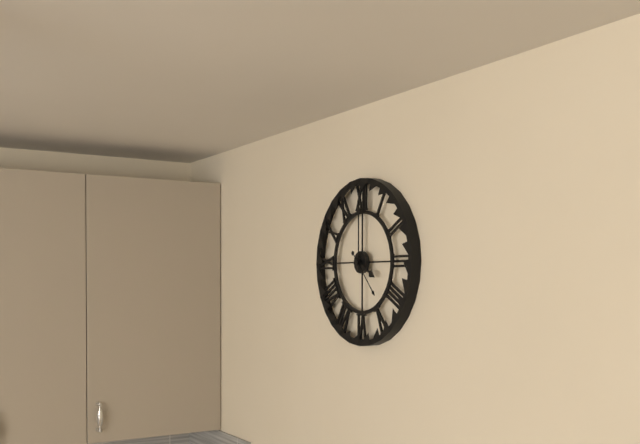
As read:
**4:00**
